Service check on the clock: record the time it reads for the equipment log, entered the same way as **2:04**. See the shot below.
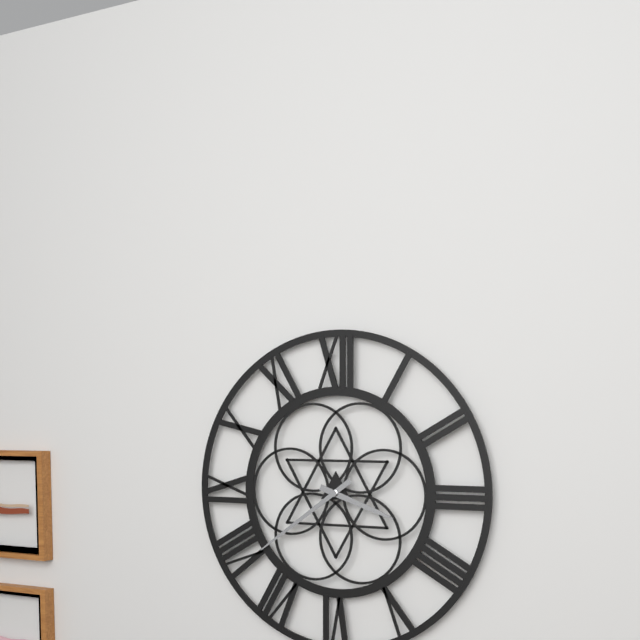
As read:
**3:39**
